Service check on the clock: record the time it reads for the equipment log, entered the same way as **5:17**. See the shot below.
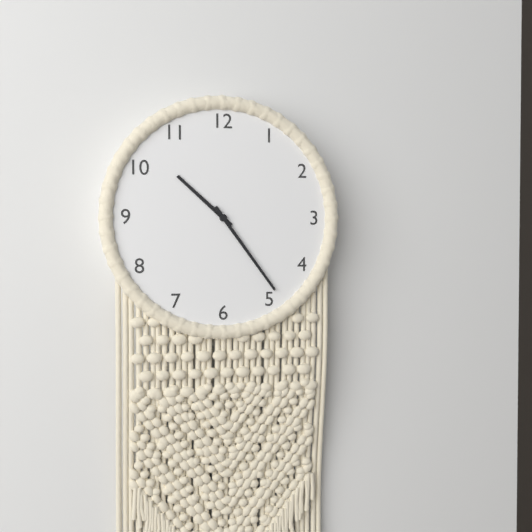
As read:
**10:24**
